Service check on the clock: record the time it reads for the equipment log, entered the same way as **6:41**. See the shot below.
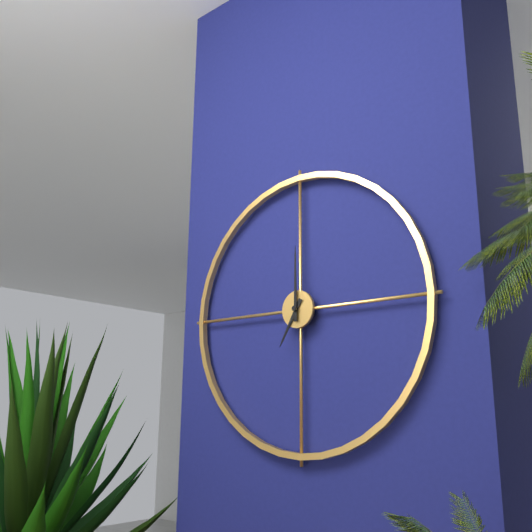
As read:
**7:00**
